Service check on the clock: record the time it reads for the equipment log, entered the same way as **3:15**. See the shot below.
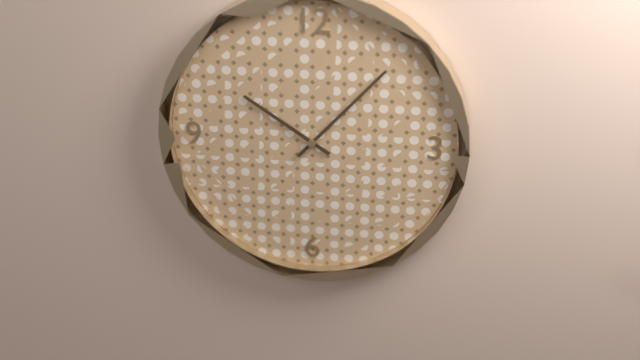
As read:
**10:07**
